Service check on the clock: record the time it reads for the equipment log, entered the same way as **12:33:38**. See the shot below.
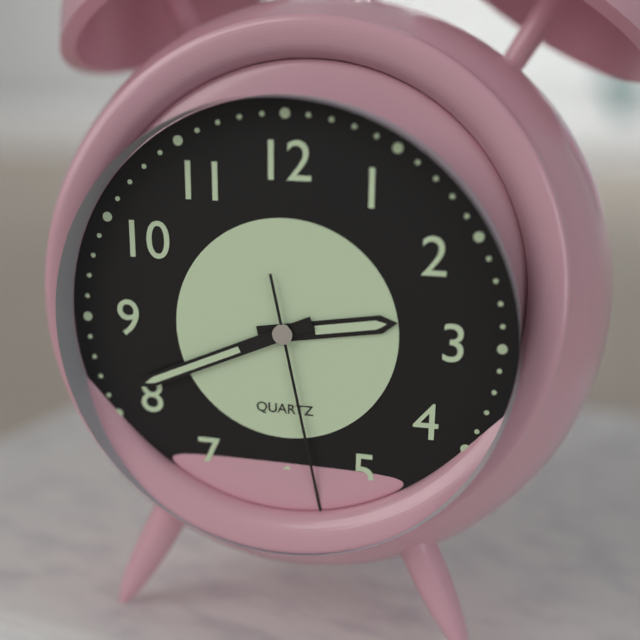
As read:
**2:41:28**
